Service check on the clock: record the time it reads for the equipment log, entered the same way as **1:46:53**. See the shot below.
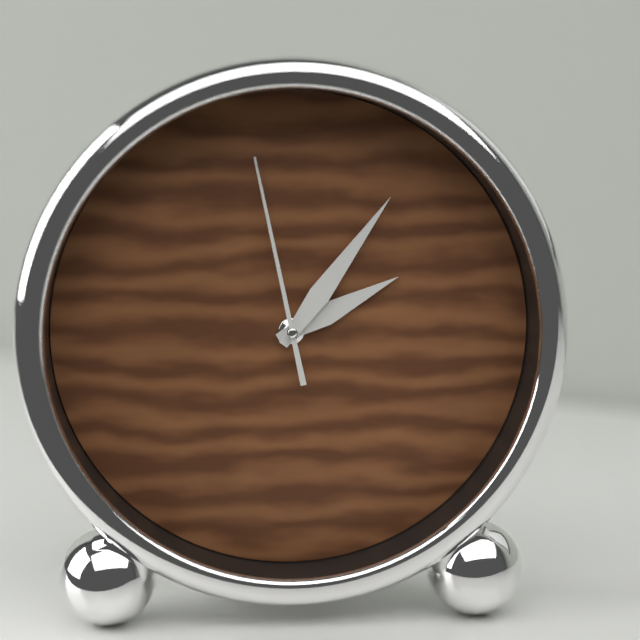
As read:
**2:06:58**
